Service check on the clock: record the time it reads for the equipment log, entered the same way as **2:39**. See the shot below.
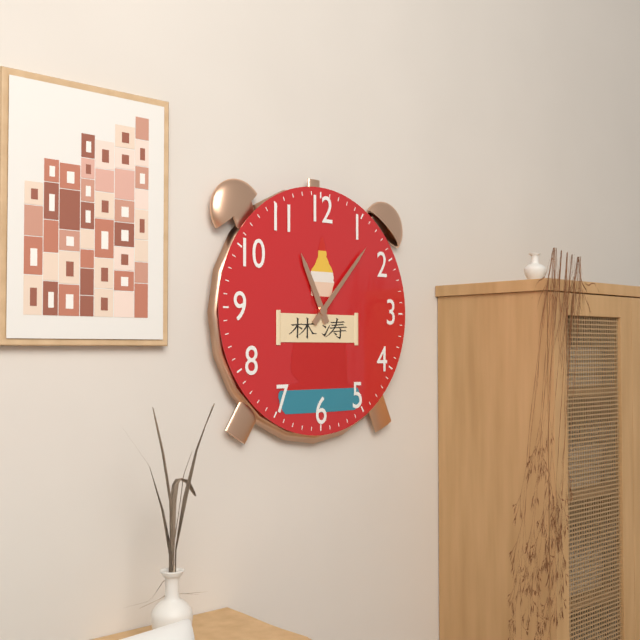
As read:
**11:07**
